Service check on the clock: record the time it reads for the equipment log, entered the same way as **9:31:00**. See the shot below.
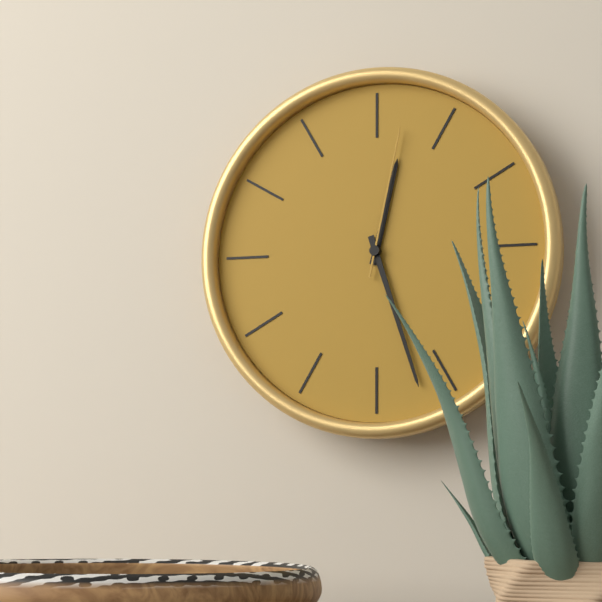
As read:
**12:27:02**
